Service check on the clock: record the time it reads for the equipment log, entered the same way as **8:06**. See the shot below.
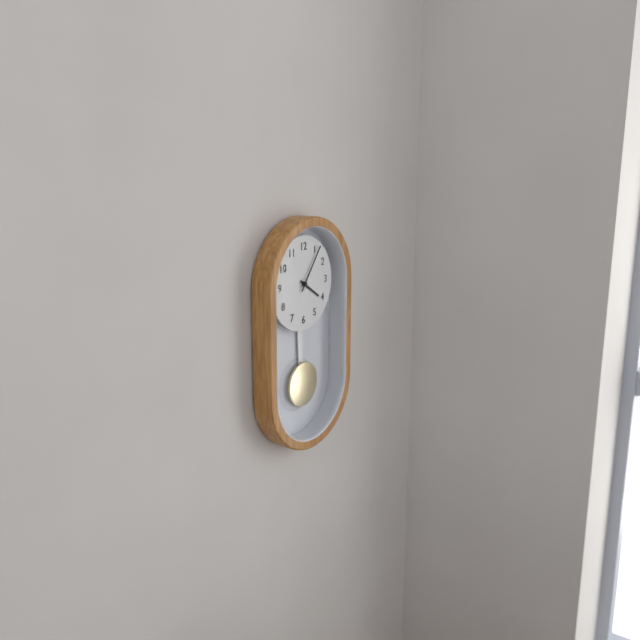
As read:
**4:06**
